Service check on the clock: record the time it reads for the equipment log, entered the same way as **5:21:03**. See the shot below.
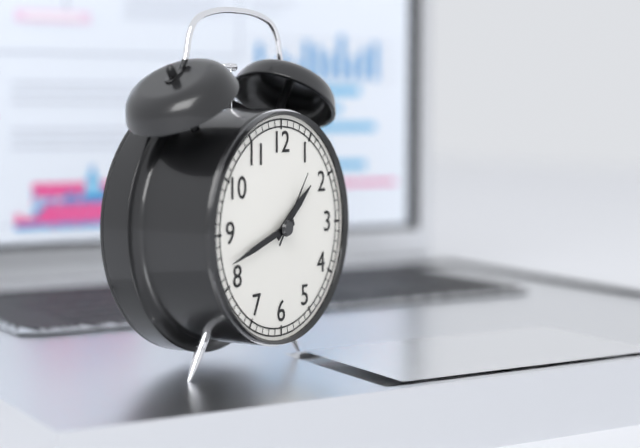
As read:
**1:42:06**
